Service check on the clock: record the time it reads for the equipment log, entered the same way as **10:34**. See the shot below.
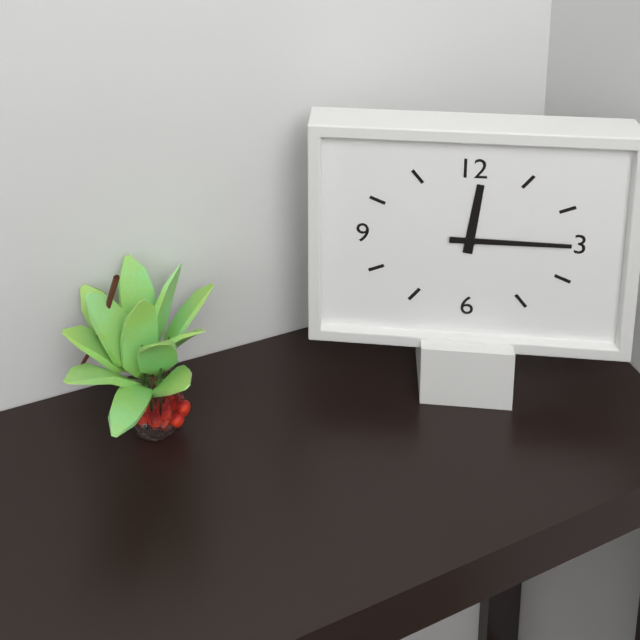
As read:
**12:15**
